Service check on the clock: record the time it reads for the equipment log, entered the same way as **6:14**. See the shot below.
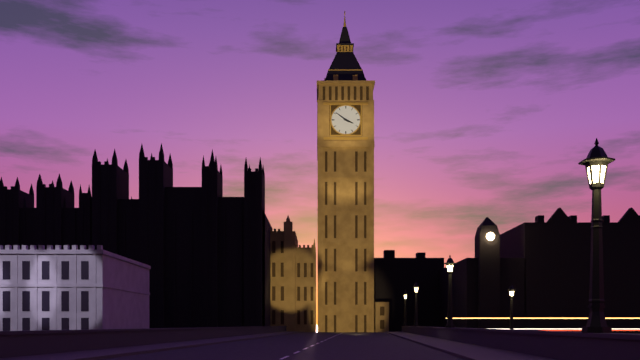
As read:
**3:51**
